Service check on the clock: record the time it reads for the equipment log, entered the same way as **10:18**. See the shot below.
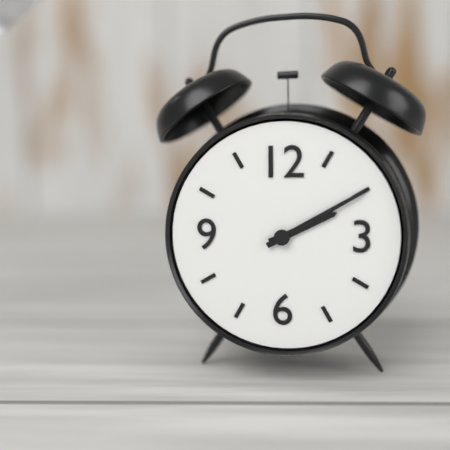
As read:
**2:10**
